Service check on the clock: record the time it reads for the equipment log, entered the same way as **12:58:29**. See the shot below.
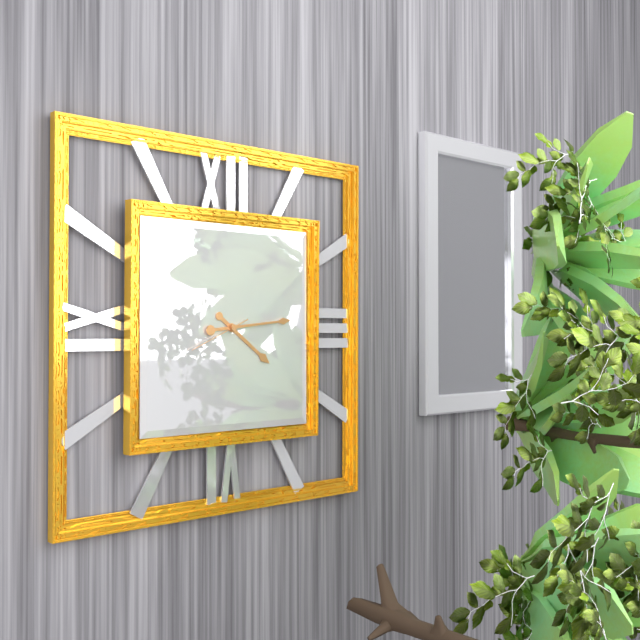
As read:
**4:14:41**
